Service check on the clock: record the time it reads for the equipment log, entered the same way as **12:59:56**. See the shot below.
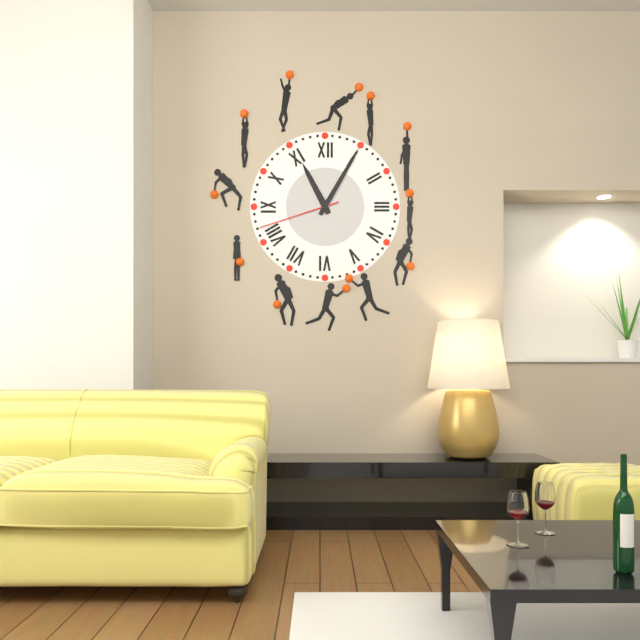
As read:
**11:05:42**
